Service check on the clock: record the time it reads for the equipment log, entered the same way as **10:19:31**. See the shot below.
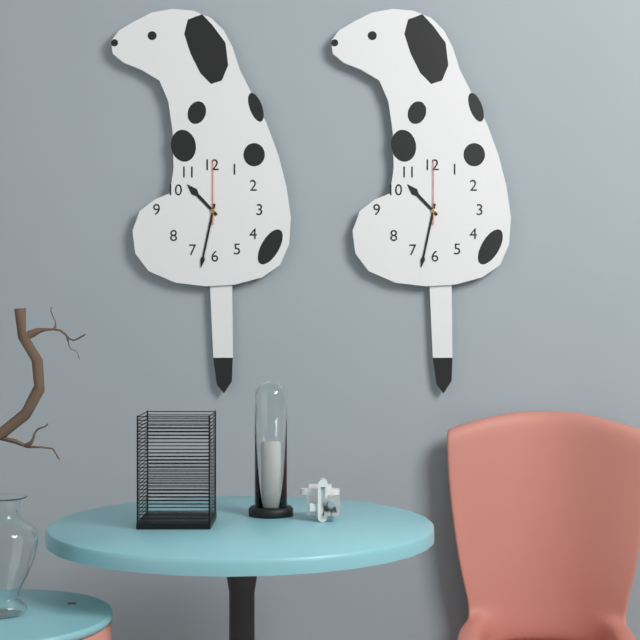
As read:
**10:32:00**
